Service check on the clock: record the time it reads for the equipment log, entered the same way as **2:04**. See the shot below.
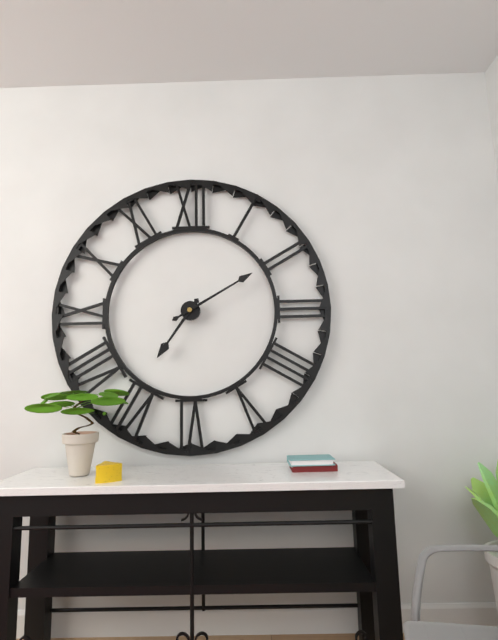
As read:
**7:10**
